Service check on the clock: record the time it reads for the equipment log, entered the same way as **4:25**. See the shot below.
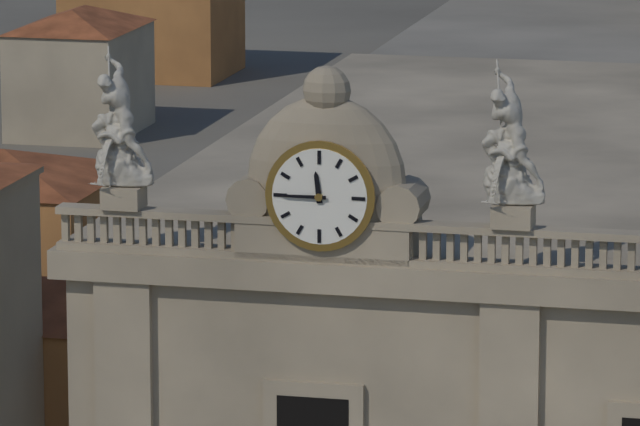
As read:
**11:45**
